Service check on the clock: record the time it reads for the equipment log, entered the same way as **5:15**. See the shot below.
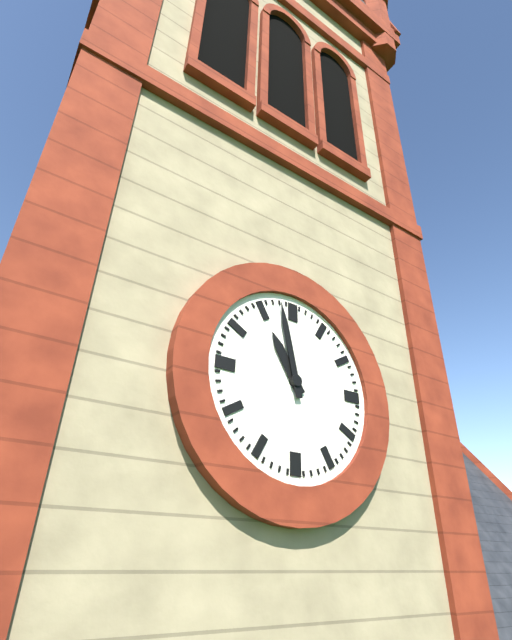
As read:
**10:58**
